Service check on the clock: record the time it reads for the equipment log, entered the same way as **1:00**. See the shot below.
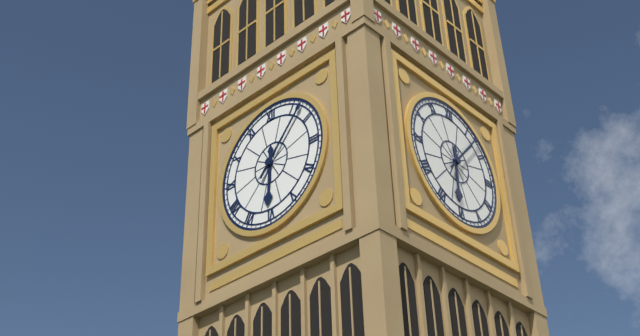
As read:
**6:07**
